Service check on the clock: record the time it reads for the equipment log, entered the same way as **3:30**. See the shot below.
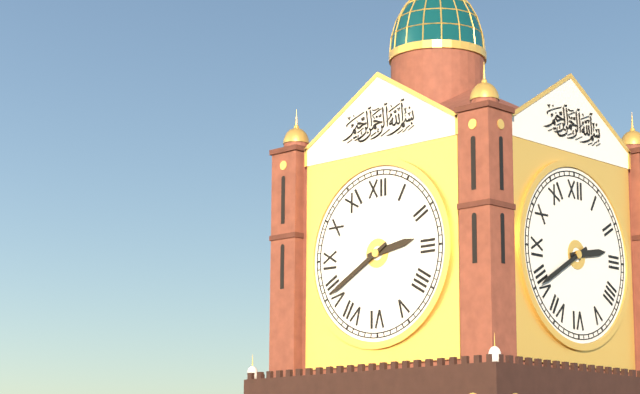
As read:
**2:40**
